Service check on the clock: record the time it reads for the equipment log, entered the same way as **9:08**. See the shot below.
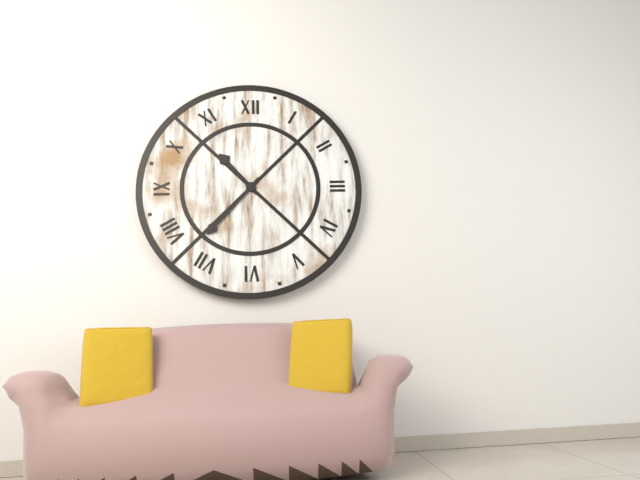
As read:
**10:37**
